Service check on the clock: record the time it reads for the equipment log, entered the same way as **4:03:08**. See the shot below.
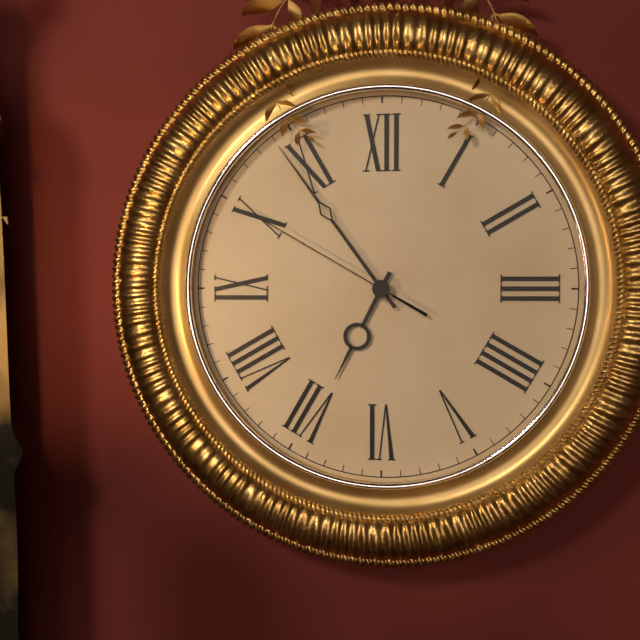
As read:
**6:54:50**
